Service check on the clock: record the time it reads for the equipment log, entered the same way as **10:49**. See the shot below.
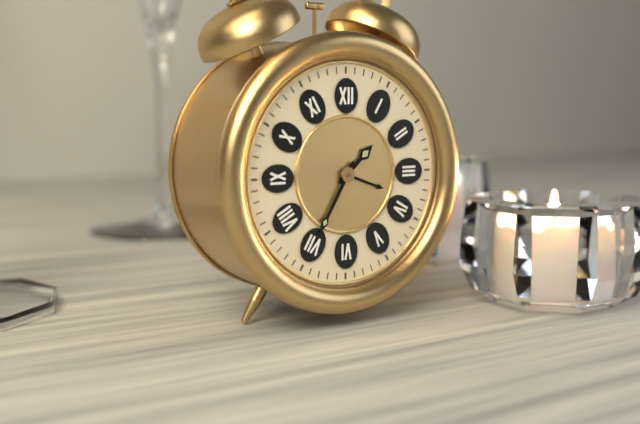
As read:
**1:35**
